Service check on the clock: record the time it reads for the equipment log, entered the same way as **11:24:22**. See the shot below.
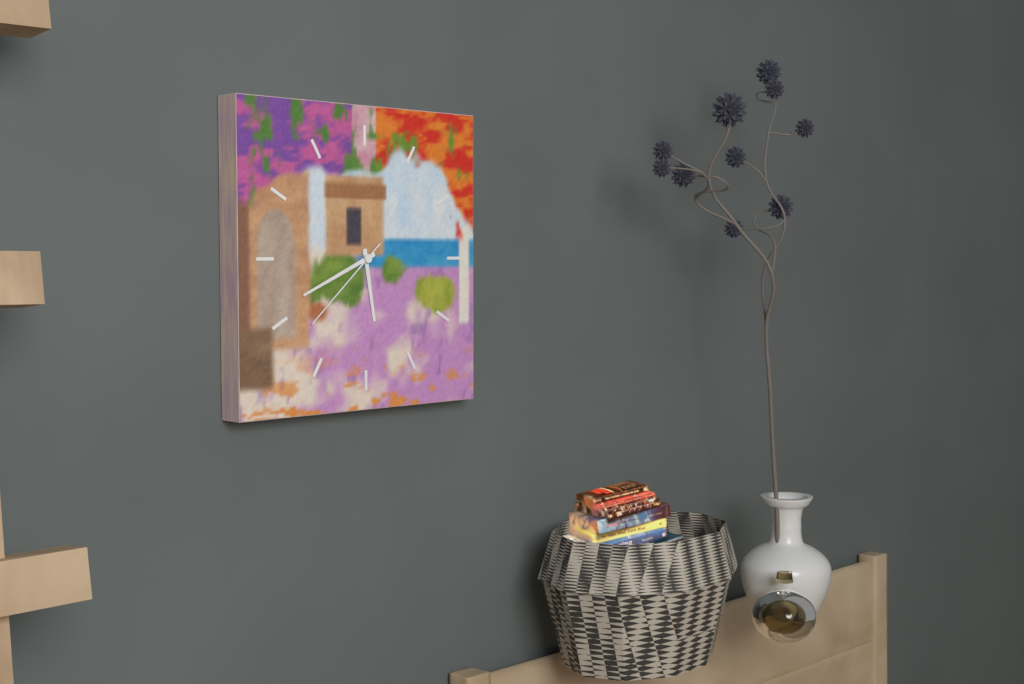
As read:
**5:41:38**
